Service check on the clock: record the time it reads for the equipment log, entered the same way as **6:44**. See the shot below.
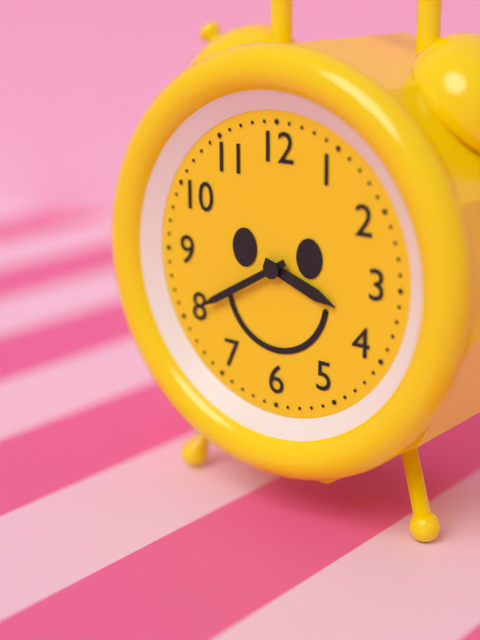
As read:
**3:40**
